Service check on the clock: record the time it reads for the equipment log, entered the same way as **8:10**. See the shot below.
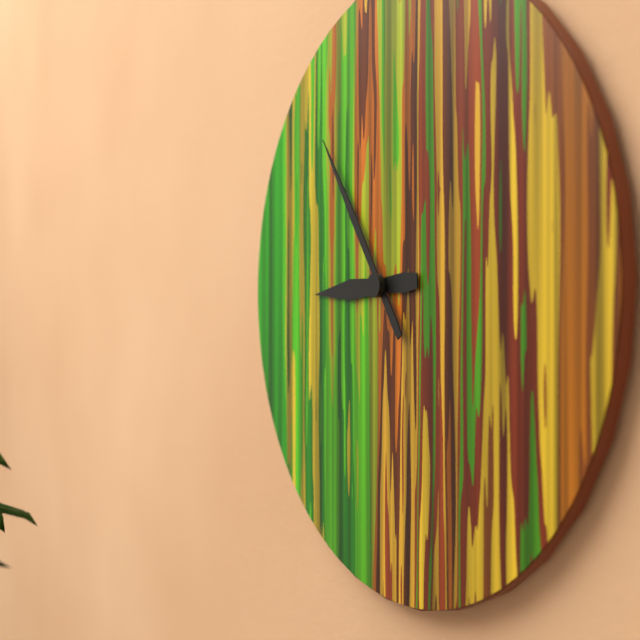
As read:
**8:54**
